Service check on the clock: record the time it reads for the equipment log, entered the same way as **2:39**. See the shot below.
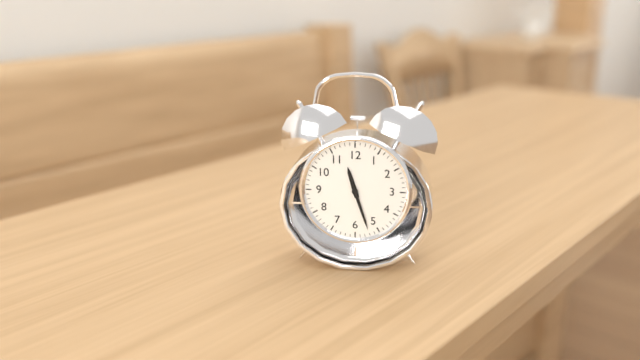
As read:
**11:27**
